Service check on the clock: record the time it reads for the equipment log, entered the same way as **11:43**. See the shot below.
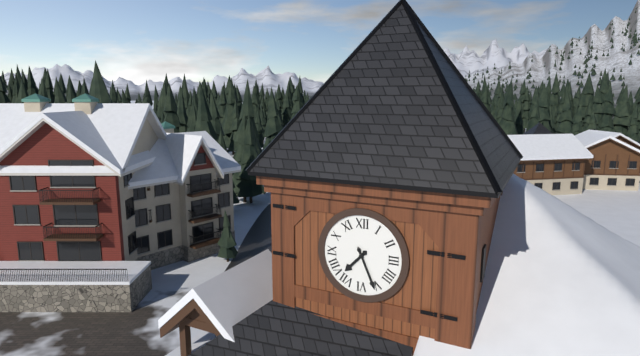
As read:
**7:26**
